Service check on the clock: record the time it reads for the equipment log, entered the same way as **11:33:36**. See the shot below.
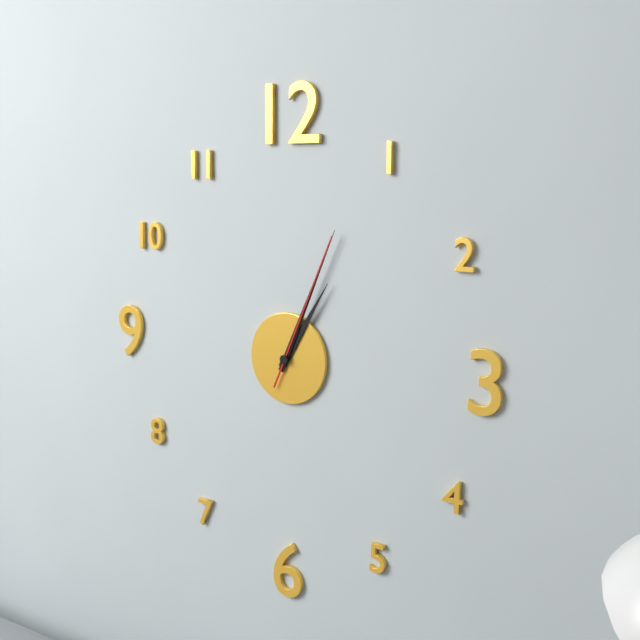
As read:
**1:04:04**
